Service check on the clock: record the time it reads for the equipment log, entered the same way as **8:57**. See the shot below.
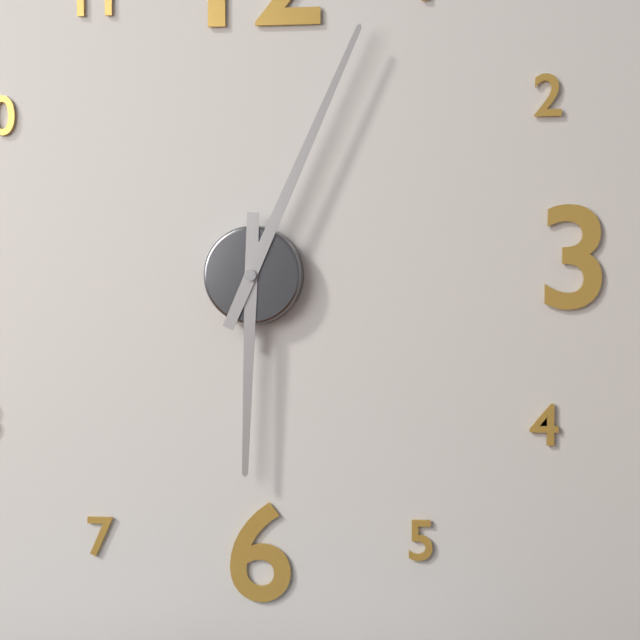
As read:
**6:04**
